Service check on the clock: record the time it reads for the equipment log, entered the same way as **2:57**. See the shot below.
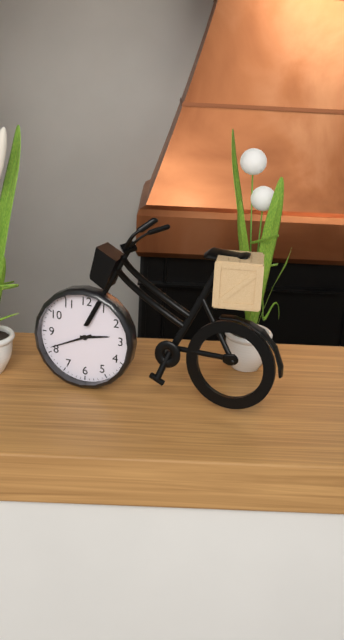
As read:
**2:41**
